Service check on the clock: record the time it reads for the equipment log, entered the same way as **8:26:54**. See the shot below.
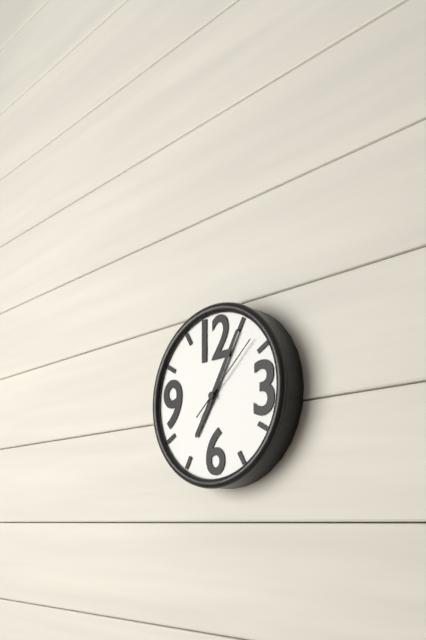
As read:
**7:05:08**
